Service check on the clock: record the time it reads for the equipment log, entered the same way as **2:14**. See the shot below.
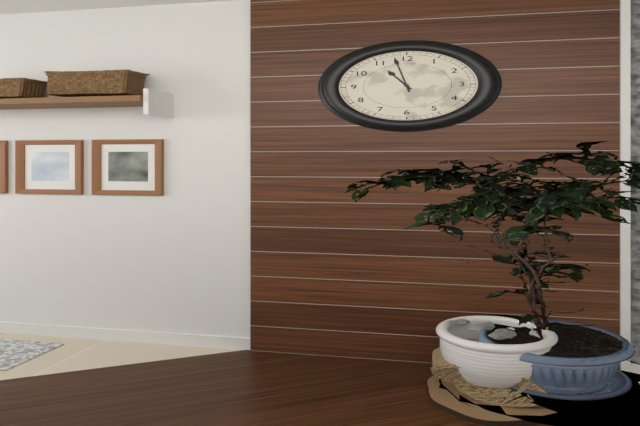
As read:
**10:58**
